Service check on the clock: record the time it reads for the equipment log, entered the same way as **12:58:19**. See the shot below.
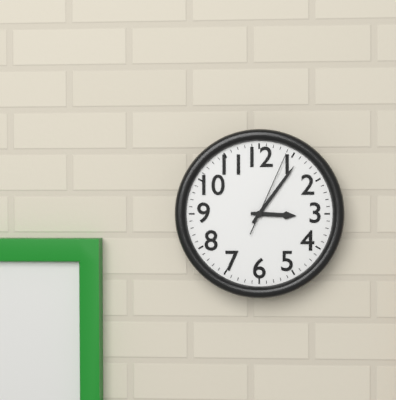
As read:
**3:06:04**
